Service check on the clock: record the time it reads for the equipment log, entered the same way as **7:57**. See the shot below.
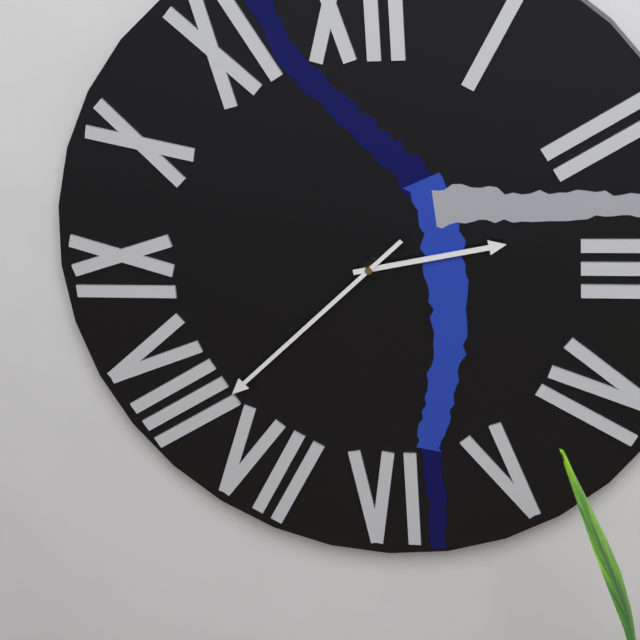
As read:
**2:38**
